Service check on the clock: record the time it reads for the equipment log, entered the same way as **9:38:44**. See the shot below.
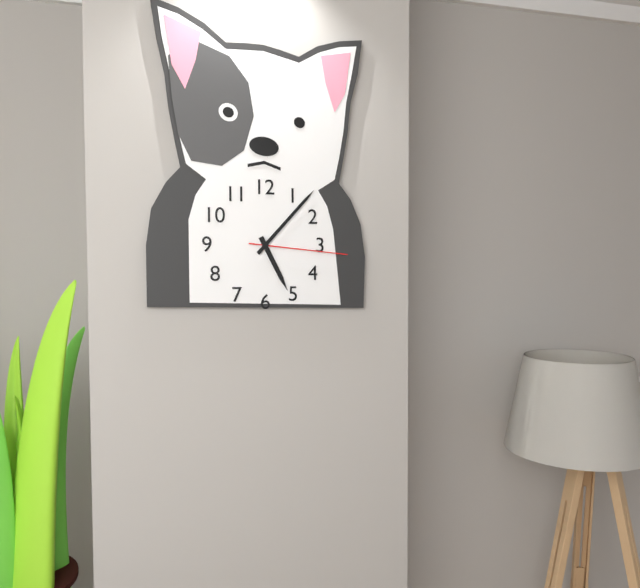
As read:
**5:07:16**
